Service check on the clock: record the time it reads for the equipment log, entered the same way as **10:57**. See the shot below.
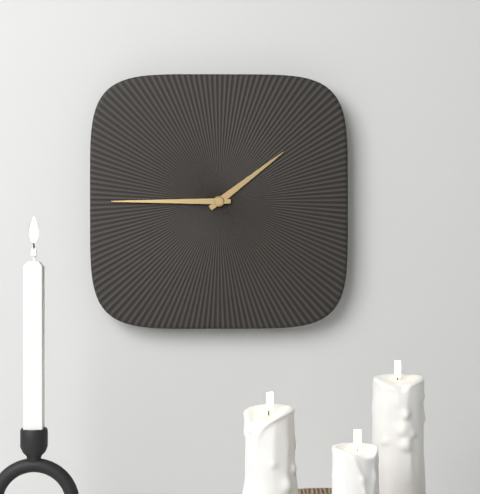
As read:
**1:45**
